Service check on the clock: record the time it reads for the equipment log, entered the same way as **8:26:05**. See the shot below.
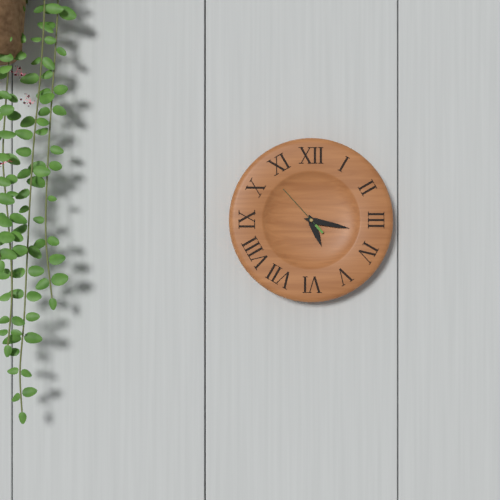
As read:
**5:17:53**
